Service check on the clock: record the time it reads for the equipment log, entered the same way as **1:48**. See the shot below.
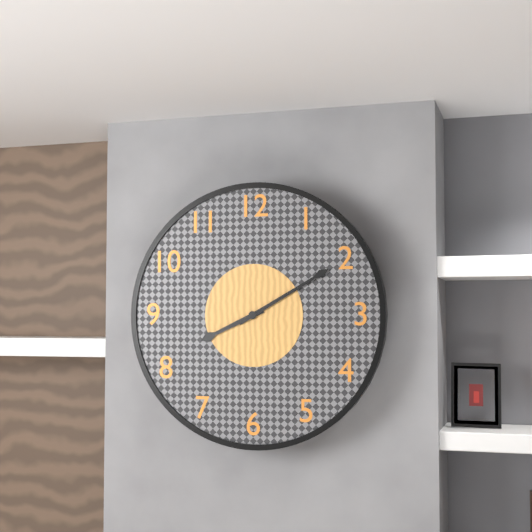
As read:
**8:10**
